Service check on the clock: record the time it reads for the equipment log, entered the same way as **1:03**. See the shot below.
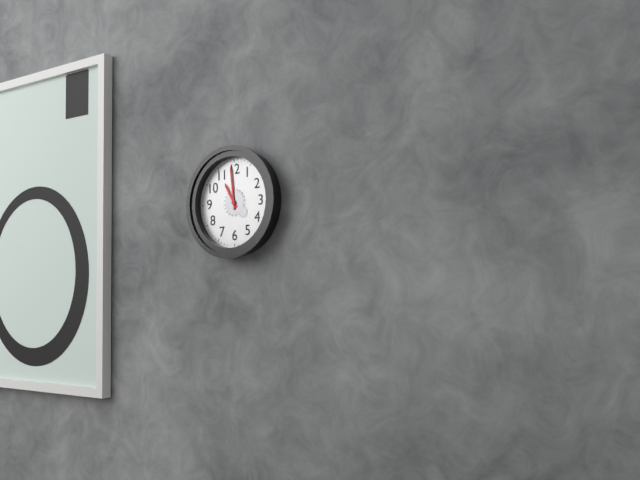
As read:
**10:59**
